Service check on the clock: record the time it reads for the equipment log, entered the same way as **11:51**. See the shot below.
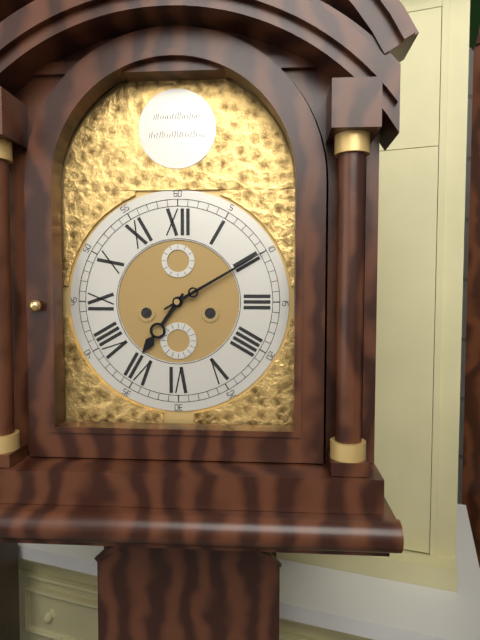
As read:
**7:10**
